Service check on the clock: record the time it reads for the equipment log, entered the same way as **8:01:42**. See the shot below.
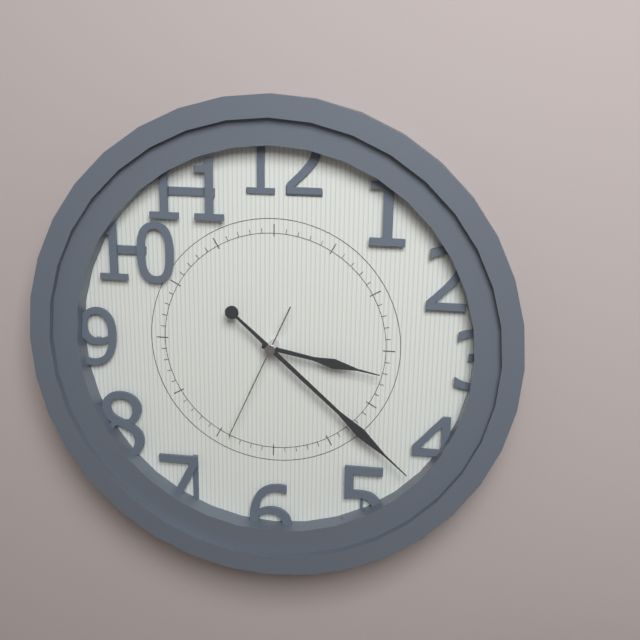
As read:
**3:22:34**
